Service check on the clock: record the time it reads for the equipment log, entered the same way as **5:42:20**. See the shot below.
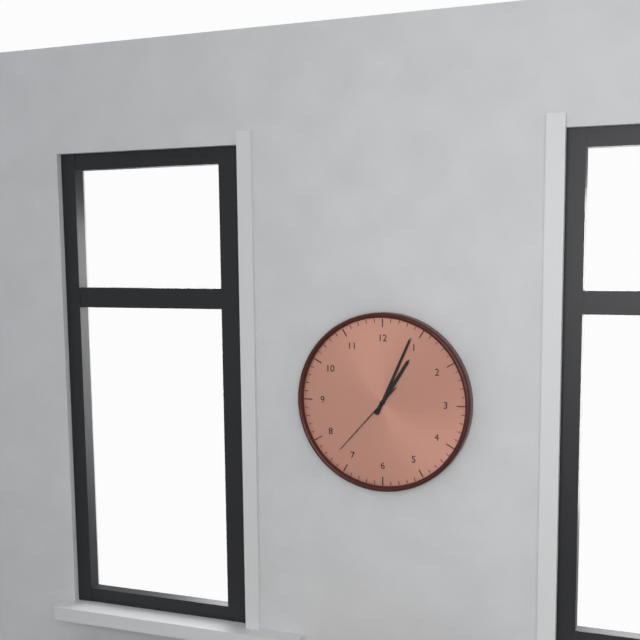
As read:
**1:04:37**
